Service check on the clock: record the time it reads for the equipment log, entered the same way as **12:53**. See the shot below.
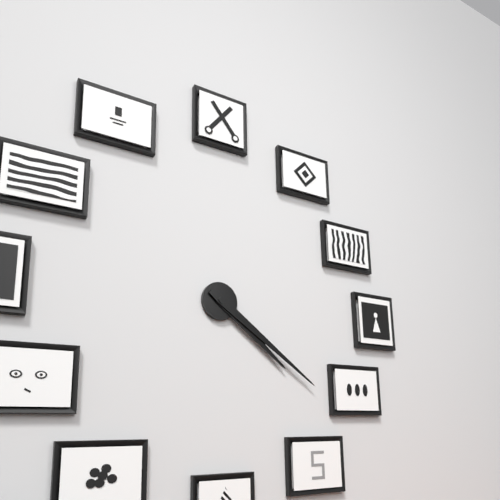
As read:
**4:21**
